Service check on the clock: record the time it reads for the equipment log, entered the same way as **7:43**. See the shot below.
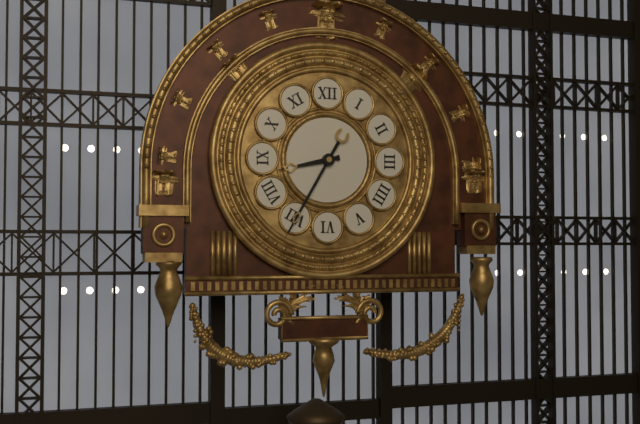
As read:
**8:35**
